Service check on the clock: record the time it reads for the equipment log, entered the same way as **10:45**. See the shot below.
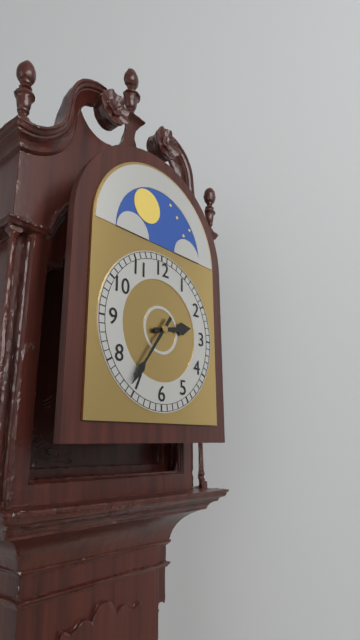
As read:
**2:36**
